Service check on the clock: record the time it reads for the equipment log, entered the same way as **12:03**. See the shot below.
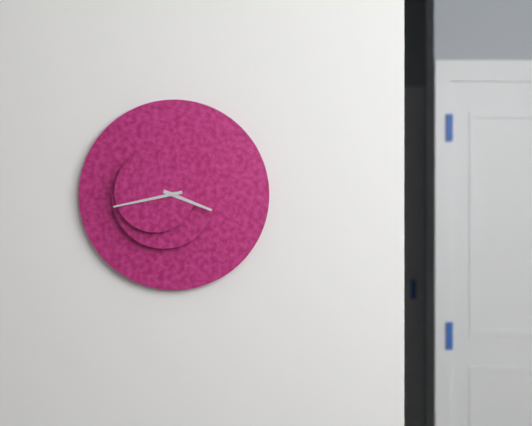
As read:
**3:43**
